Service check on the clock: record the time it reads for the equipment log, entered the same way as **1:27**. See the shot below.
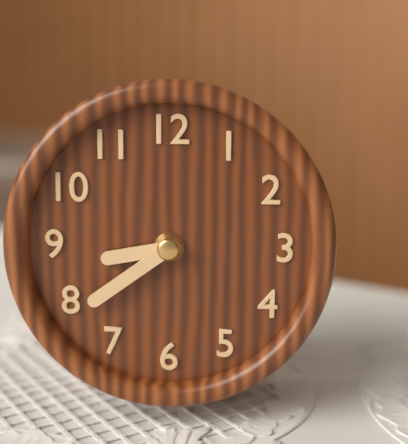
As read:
**8:39**
